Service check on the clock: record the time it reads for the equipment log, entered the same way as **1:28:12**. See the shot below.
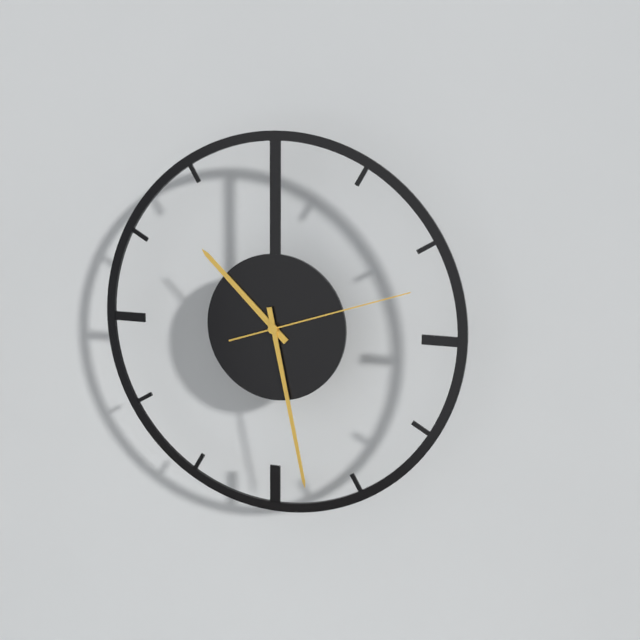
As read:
**10:28:12**
